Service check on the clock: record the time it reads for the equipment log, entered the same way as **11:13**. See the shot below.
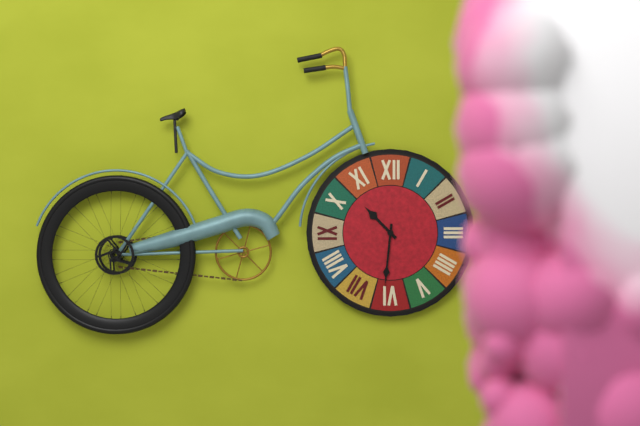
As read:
**10:31**
